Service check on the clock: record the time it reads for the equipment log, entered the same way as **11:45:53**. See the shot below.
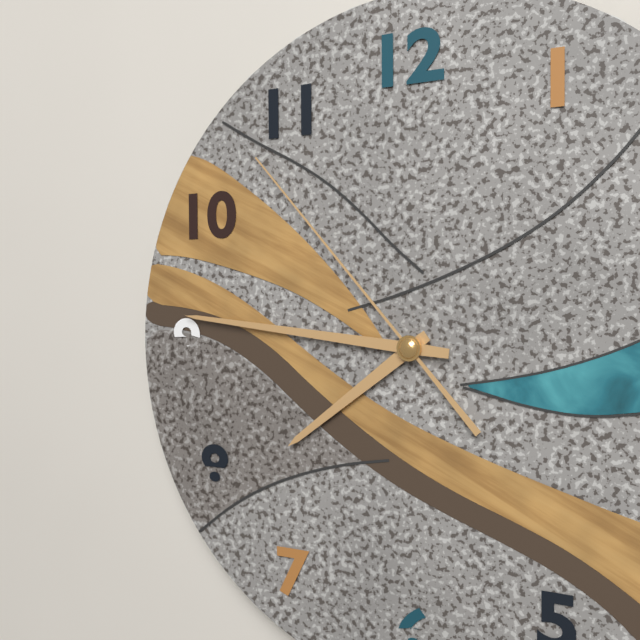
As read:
**7:46:53**
